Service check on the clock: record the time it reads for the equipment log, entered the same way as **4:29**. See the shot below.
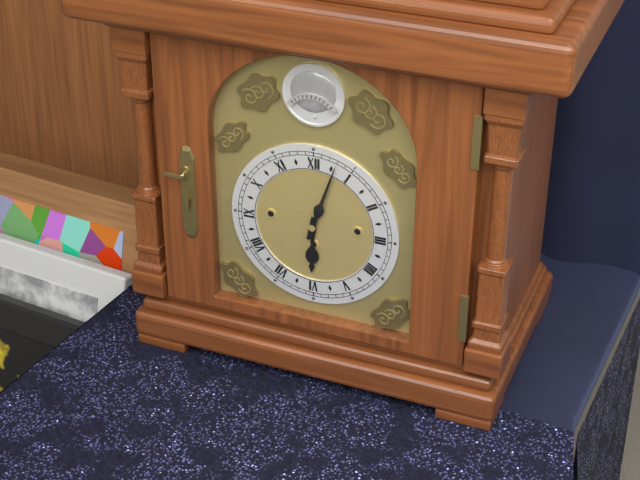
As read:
**6:03**
